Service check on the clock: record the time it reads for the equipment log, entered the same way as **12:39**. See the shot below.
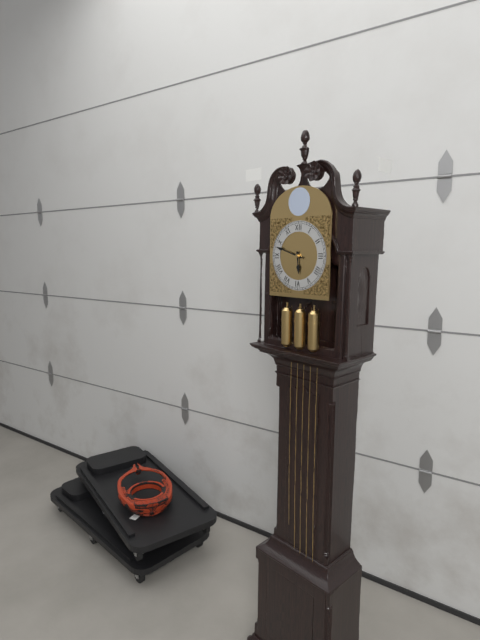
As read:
**5:48**
